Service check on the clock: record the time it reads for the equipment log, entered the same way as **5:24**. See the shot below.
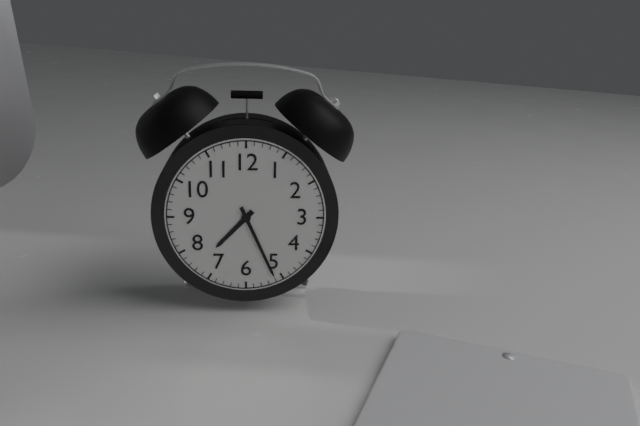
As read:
**7:26**
